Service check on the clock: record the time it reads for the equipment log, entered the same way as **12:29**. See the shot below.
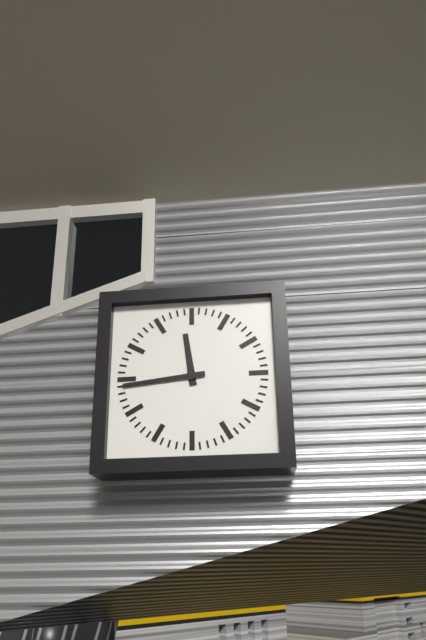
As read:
**11:44**
